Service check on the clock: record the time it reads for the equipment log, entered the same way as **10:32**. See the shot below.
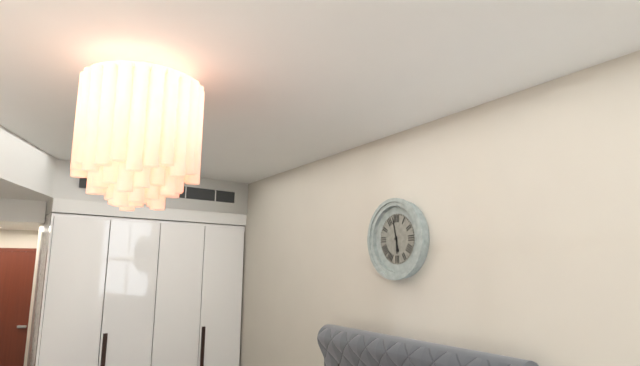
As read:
**5:58**
